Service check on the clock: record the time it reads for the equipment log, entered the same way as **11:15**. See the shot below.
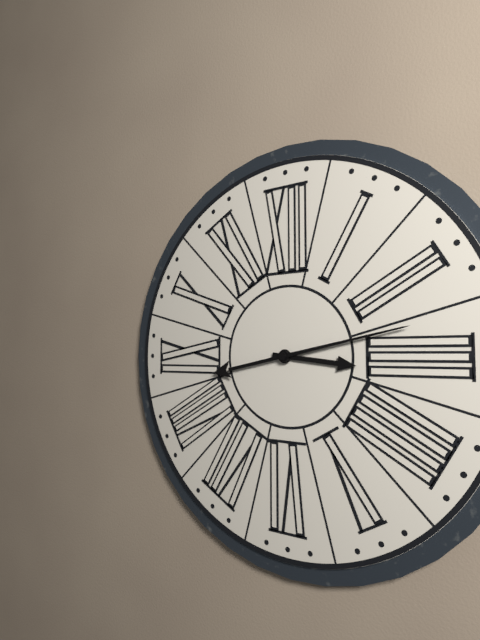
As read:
**3:13**
